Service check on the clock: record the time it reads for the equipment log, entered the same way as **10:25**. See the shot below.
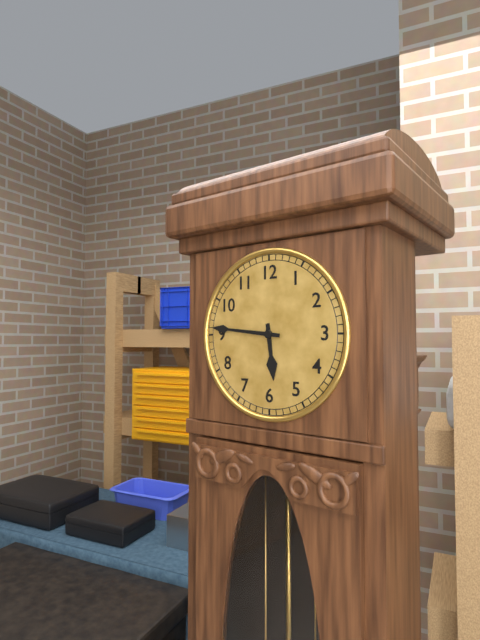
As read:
**5:46**
